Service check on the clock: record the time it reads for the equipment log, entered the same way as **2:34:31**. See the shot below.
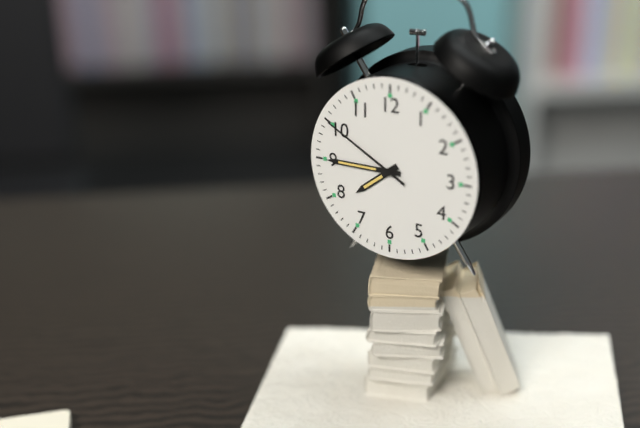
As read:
**7:45:50**
